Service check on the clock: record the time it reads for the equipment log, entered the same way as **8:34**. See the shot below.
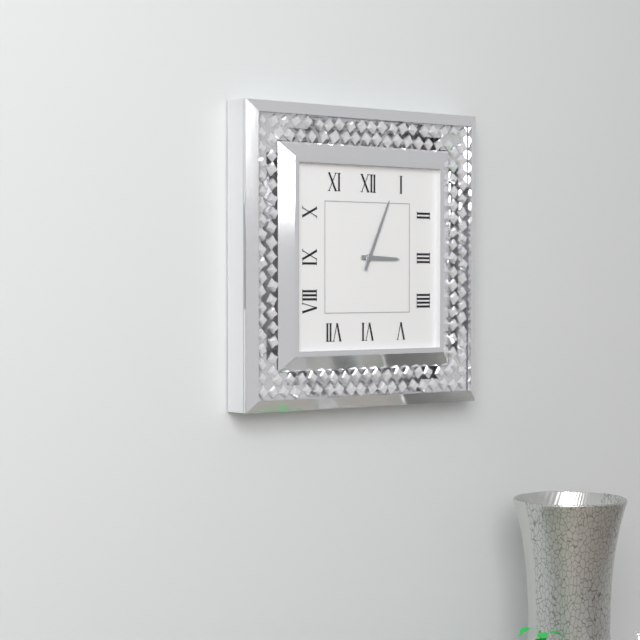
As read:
**3:04**
